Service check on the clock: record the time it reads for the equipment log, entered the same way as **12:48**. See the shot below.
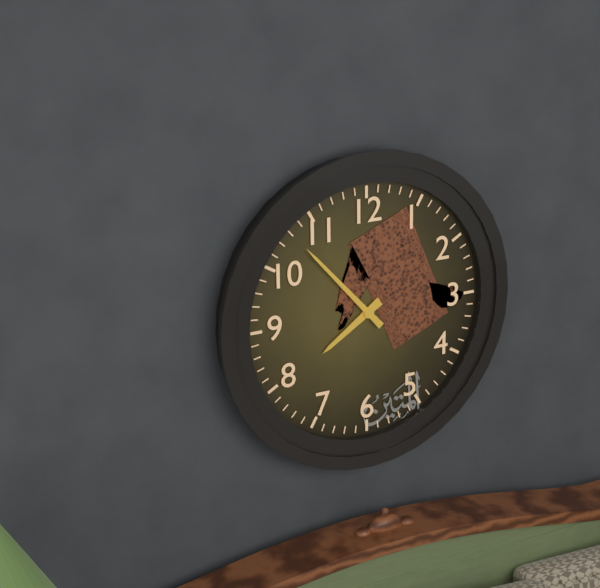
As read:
**7:53**
